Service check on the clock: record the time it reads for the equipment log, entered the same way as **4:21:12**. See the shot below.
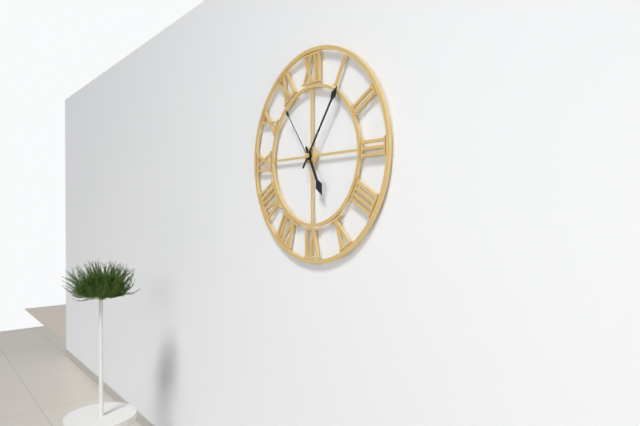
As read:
**5:06:54**
